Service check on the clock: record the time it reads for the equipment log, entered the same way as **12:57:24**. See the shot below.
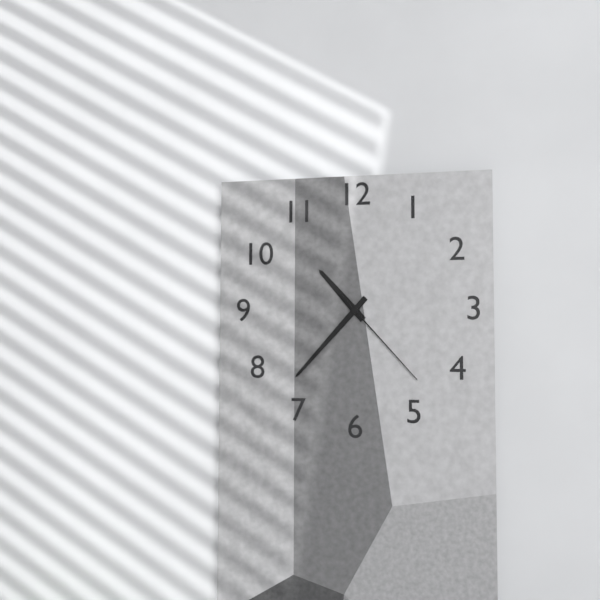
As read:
**10:37:23**
